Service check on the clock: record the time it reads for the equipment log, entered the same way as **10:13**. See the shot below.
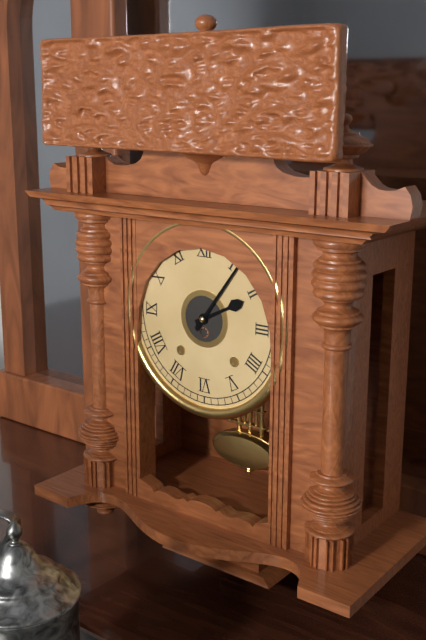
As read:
**2:06**
